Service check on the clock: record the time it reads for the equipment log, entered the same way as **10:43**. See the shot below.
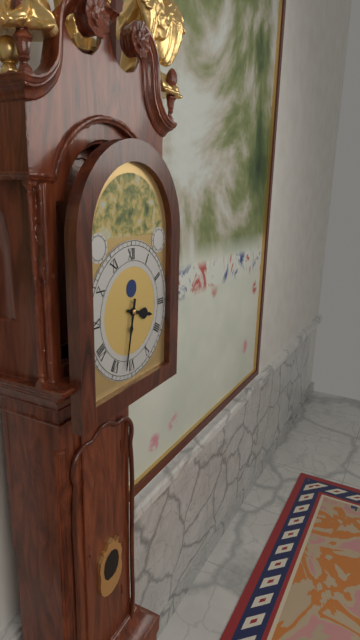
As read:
**3:32**
